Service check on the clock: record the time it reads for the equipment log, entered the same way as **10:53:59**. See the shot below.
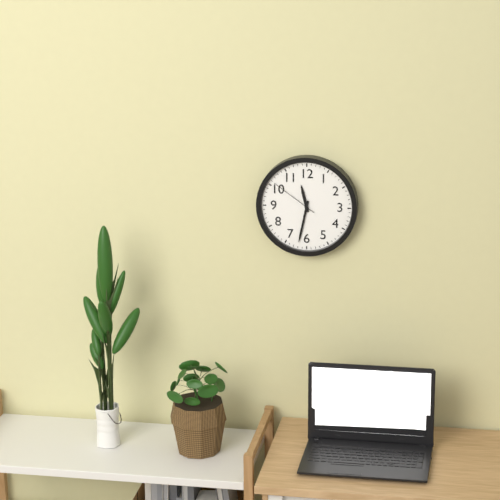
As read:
**11:32:51**
